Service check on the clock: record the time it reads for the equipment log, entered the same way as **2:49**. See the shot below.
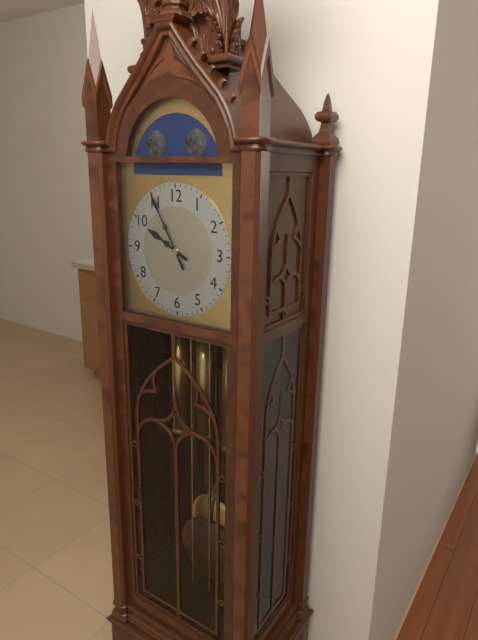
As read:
**9:55**
